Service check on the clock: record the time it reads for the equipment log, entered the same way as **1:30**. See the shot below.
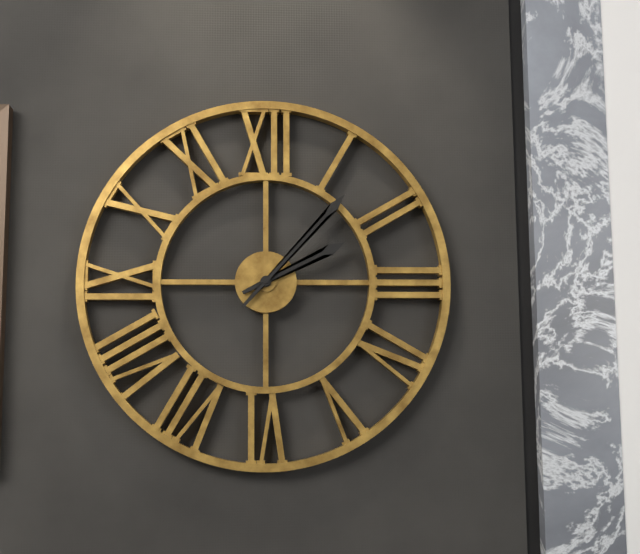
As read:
**2:07**
